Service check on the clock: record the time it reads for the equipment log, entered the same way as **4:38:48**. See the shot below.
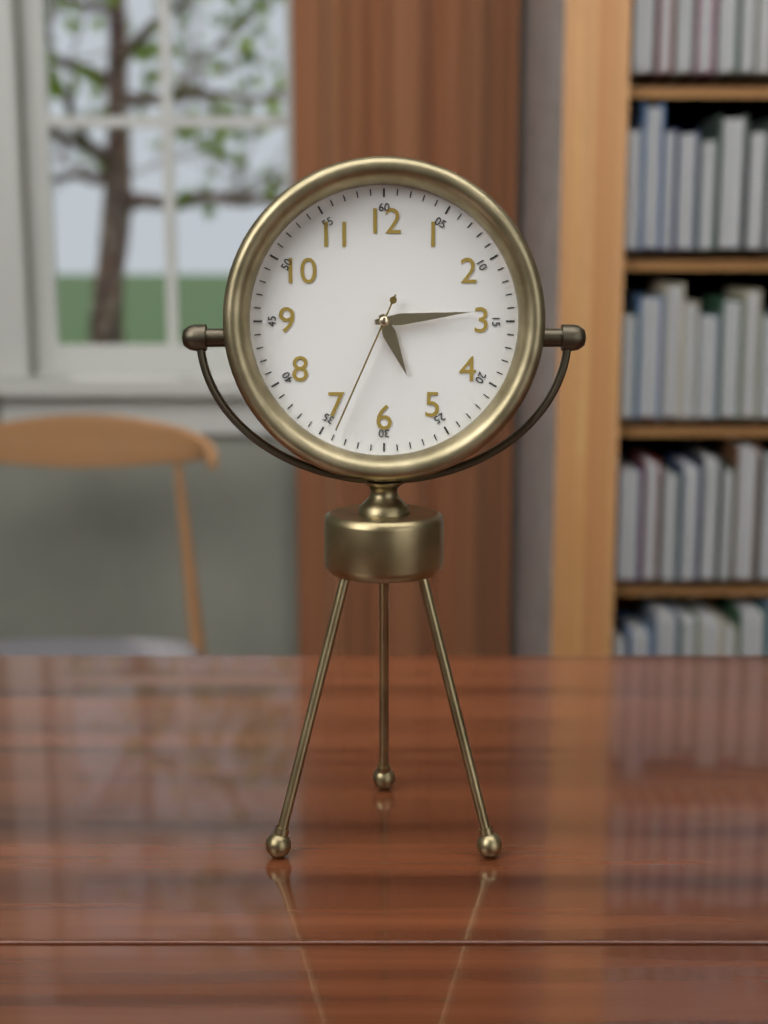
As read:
**5:14:34**
